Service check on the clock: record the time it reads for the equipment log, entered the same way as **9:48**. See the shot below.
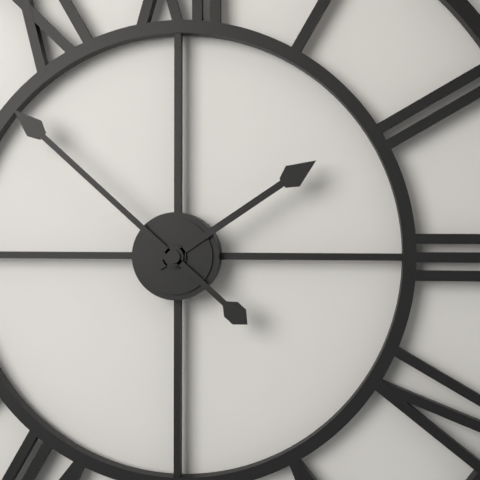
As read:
**1:52**
